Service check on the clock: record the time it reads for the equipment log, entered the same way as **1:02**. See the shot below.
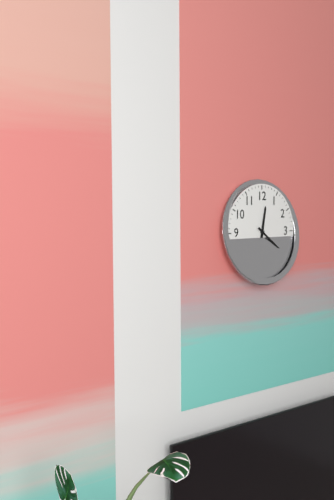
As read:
**12:21**
